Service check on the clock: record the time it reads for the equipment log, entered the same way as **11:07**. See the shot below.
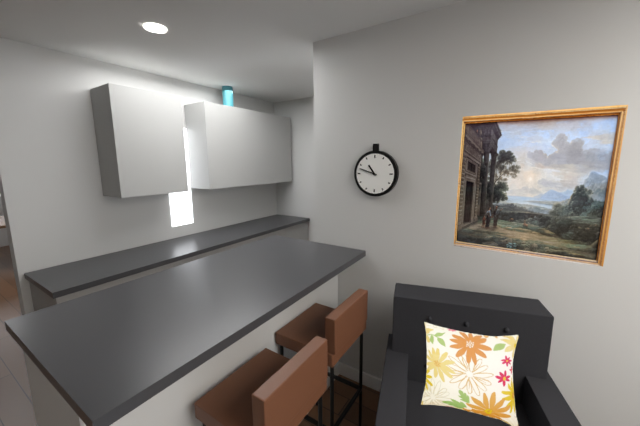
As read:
**10:48**
